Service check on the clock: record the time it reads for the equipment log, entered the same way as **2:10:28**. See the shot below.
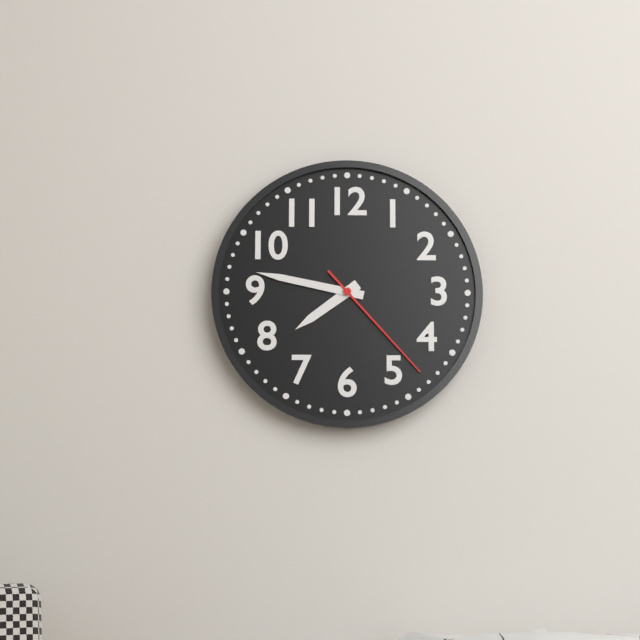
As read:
**7:47:23**
